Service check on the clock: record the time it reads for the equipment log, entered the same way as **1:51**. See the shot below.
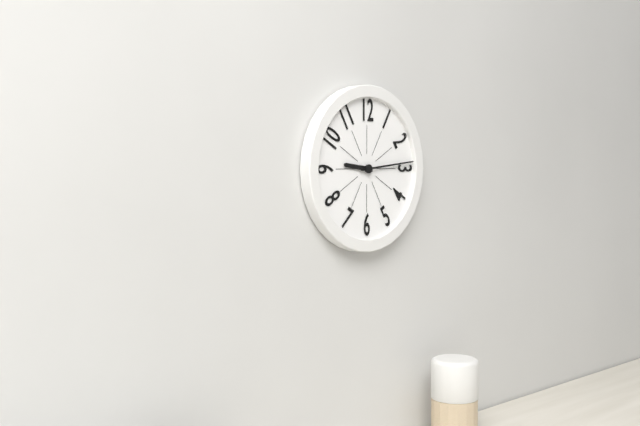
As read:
**9:14**
